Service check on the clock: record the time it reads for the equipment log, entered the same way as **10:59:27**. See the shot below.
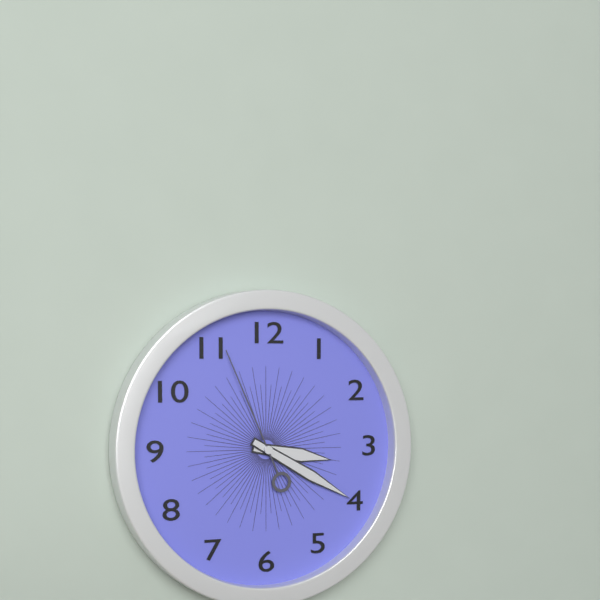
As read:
**3:20:56**
